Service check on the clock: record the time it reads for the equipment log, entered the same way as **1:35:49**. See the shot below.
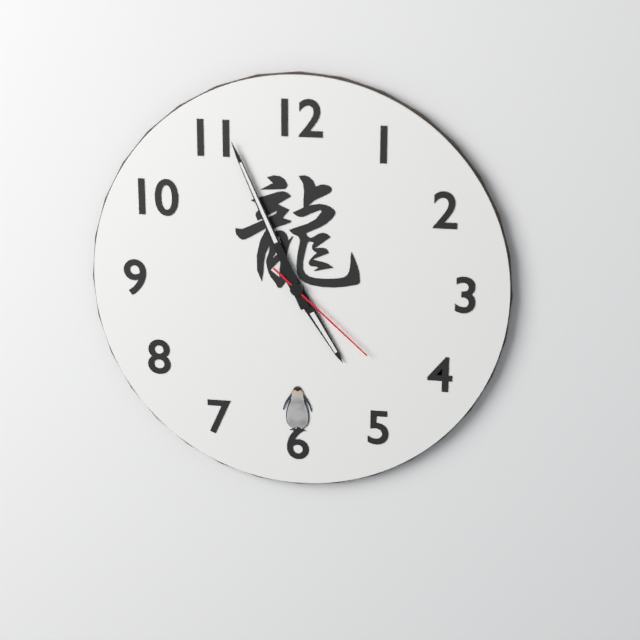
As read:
**4:56:22**
